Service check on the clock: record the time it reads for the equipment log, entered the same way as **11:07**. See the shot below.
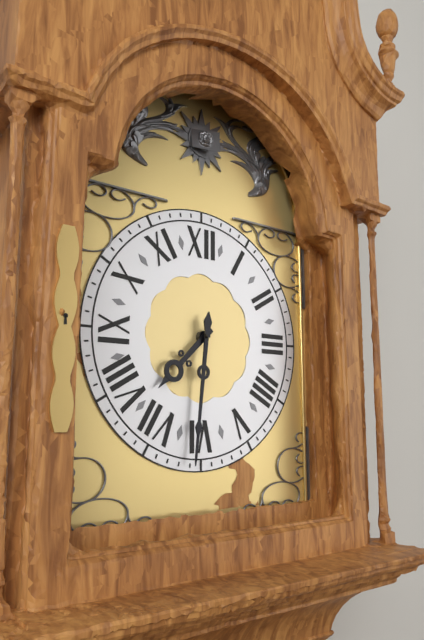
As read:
**7:31**
